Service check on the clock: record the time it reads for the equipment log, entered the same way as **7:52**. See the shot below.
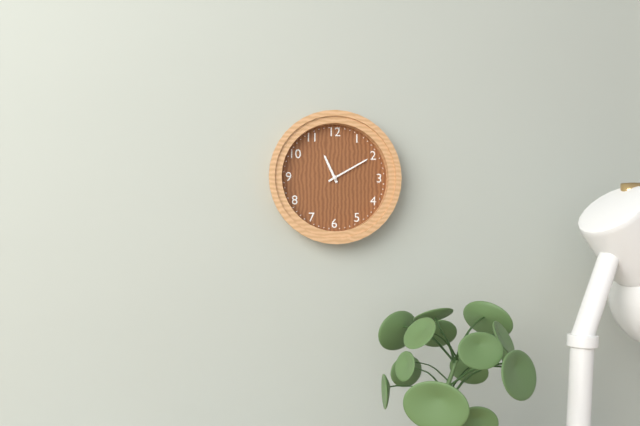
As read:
**11:10**
